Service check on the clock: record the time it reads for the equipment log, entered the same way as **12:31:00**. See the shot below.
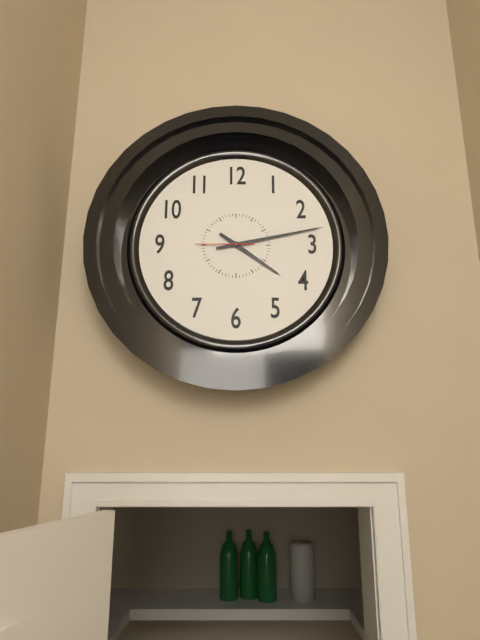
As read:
**4:13:45**
